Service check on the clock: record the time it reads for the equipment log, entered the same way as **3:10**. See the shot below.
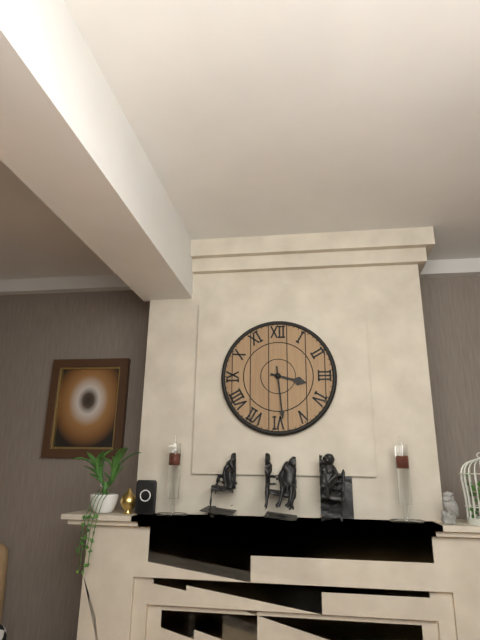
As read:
**3:29**
